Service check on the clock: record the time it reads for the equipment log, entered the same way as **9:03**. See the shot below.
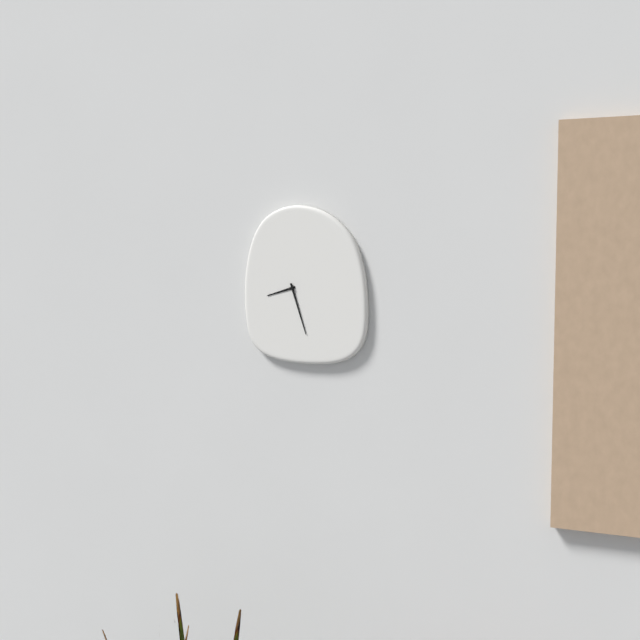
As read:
**8:27**
